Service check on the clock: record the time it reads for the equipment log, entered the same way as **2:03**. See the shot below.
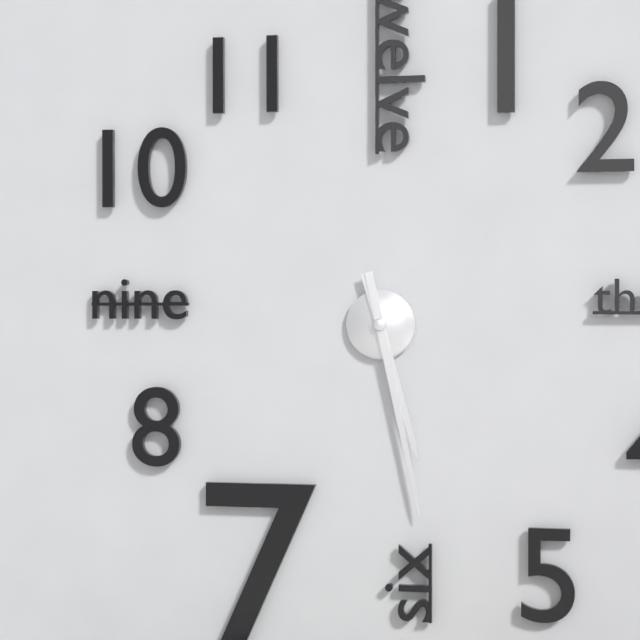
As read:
**5:28**
